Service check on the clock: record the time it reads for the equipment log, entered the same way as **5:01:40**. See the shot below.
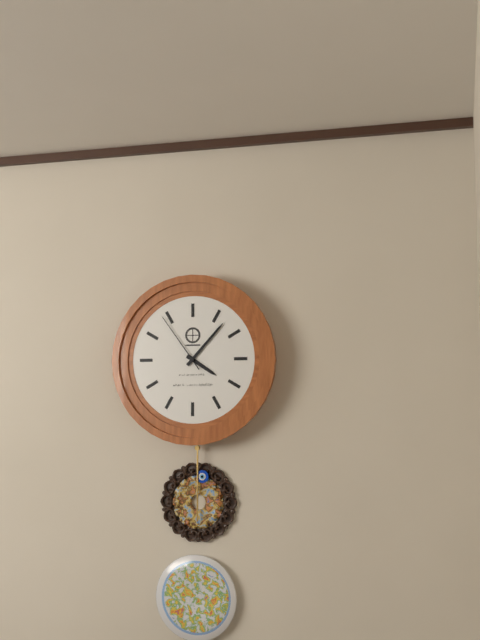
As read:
**4:07:54**
